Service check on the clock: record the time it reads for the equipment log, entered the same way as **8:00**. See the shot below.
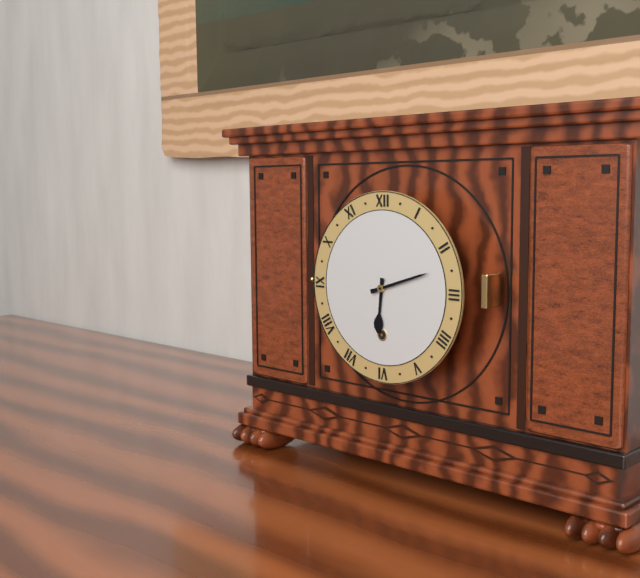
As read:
**6:12**
